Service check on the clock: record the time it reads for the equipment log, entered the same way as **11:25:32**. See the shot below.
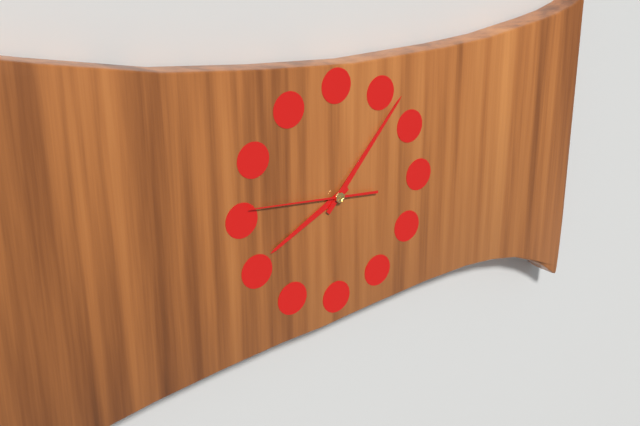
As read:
**8:07:46**
